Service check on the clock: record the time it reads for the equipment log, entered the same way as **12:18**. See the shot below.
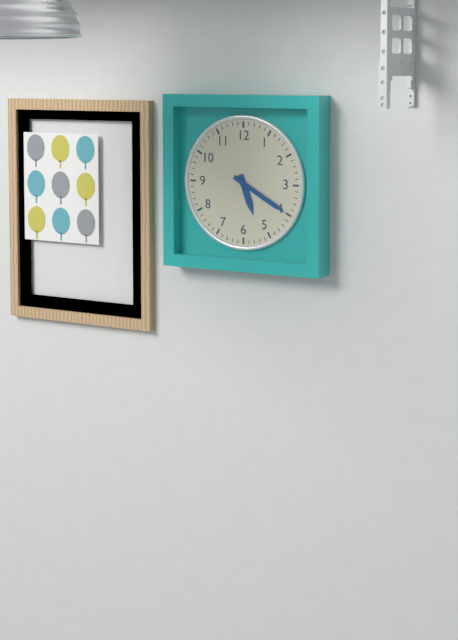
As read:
**5:20**
